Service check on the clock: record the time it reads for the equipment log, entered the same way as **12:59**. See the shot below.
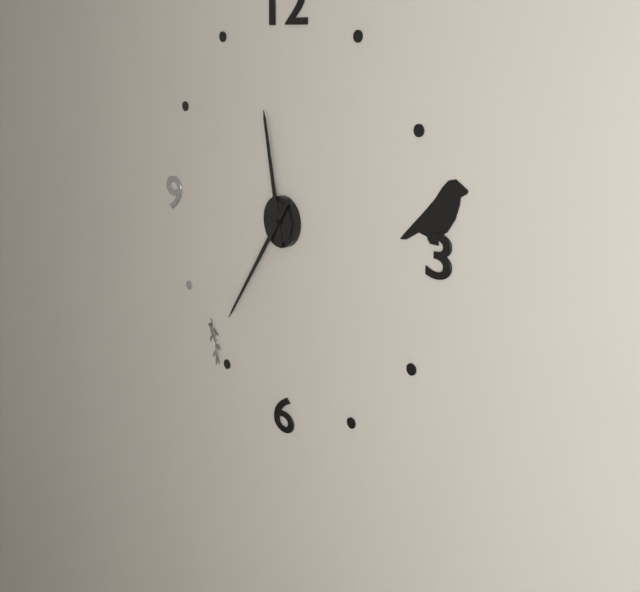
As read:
**11:36**
